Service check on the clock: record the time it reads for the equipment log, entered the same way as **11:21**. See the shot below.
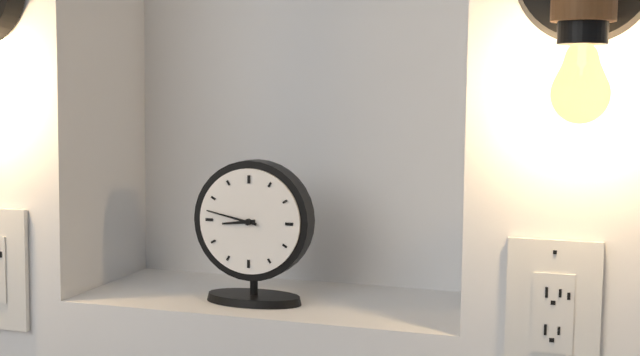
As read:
**8:47**
